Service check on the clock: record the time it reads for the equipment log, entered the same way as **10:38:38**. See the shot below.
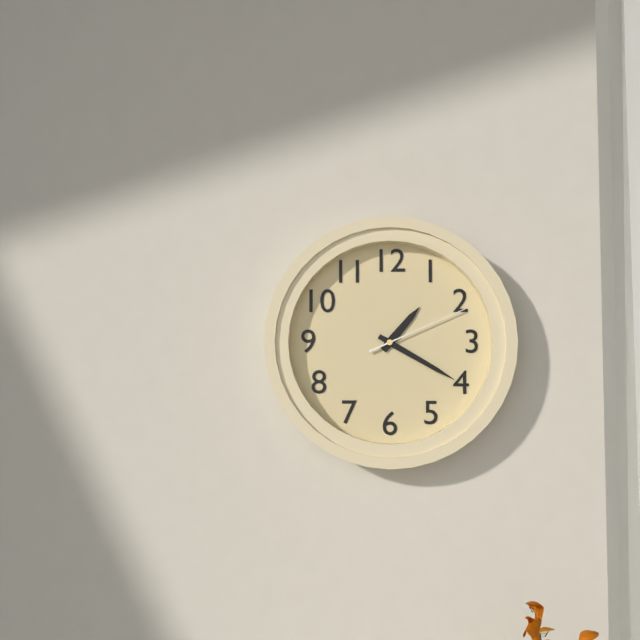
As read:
**1:20:11**
